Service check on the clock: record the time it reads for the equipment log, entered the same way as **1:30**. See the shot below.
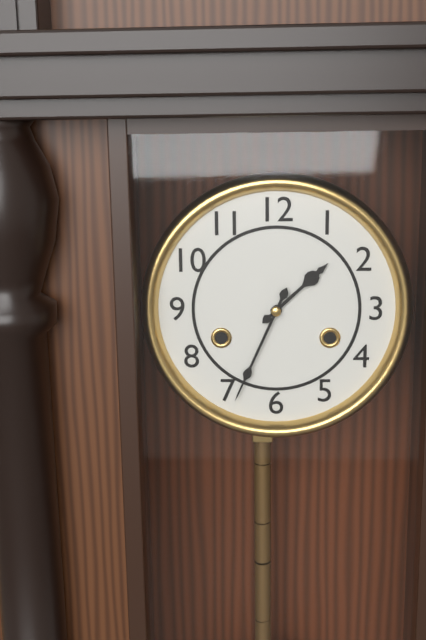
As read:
**1:34**
